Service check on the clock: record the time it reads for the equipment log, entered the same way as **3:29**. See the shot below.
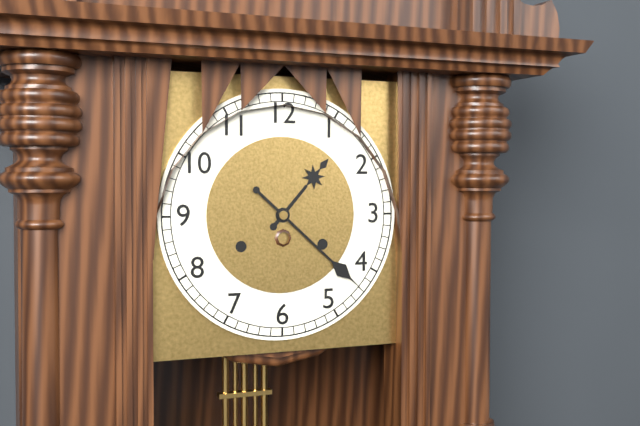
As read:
**1:22**
